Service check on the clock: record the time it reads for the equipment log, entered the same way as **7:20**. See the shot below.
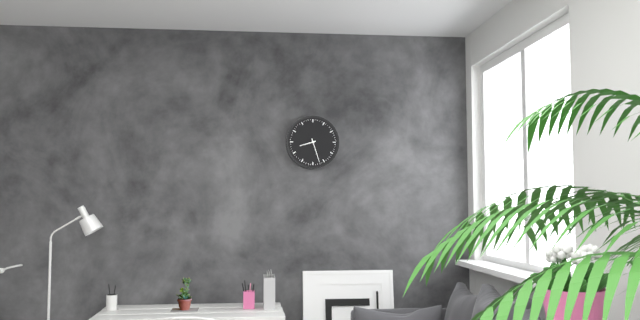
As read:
**8:27**
